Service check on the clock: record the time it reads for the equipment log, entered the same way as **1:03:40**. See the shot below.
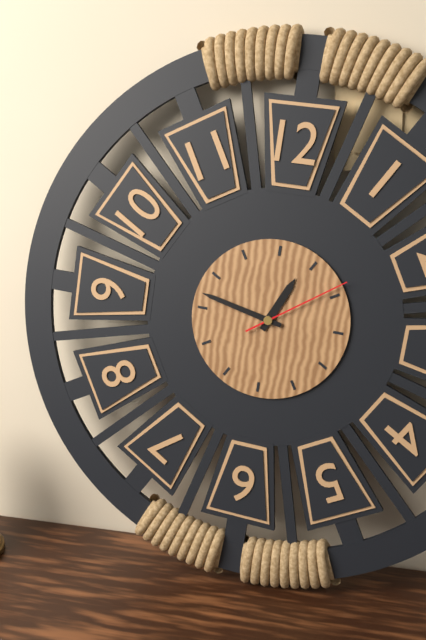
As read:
**12:47:09**
